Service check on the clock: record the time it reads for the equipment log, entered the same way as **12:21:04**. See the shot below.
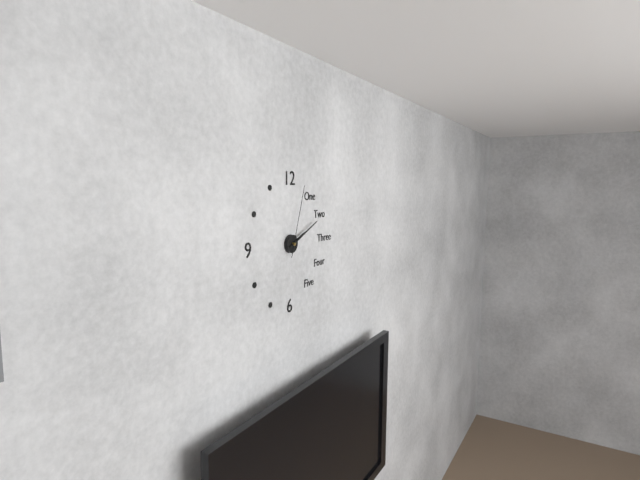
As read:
**2:11:03**
